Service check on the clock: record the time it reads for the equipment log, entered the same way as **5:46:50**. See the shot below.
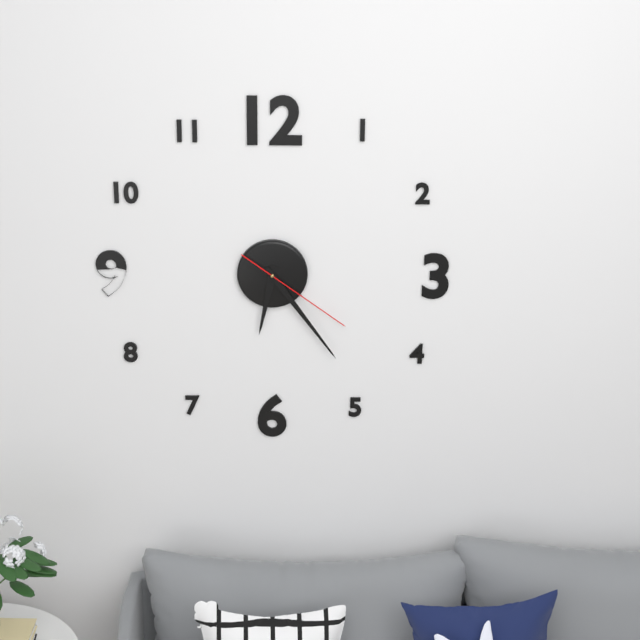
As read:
**6:24:21**
